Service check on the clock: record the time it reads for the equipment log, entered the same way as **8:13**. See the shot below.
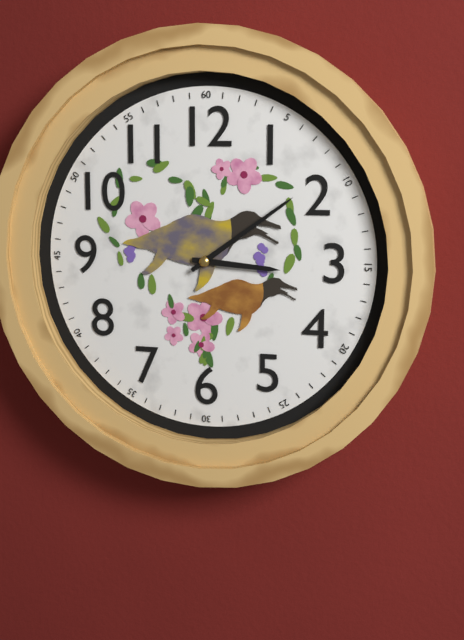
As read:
**3:09**
